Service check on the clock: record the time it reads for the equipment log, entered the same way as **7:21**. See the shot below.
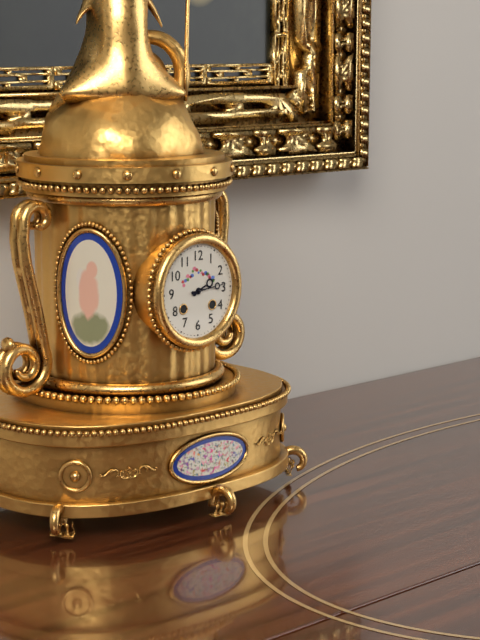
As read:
**2:14**
